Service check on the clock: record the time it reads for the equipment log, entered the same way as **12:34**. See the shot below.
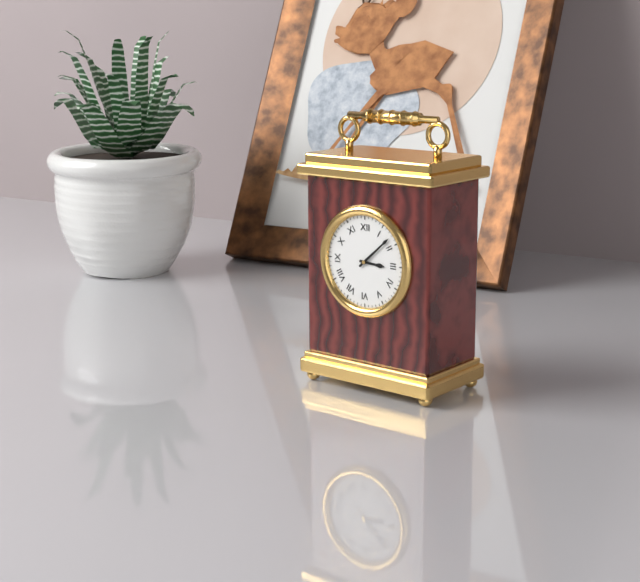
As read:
**3:08**
